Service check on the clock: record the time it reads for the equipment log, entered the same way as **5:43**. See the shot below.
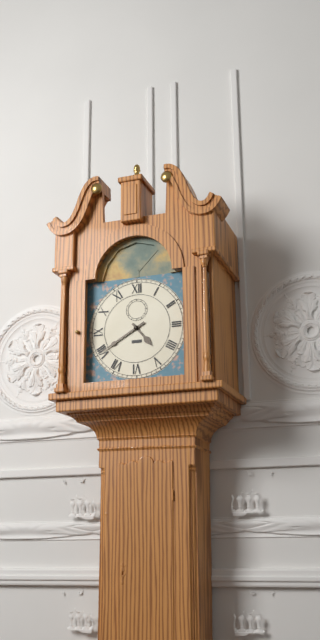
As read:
**4:40**
